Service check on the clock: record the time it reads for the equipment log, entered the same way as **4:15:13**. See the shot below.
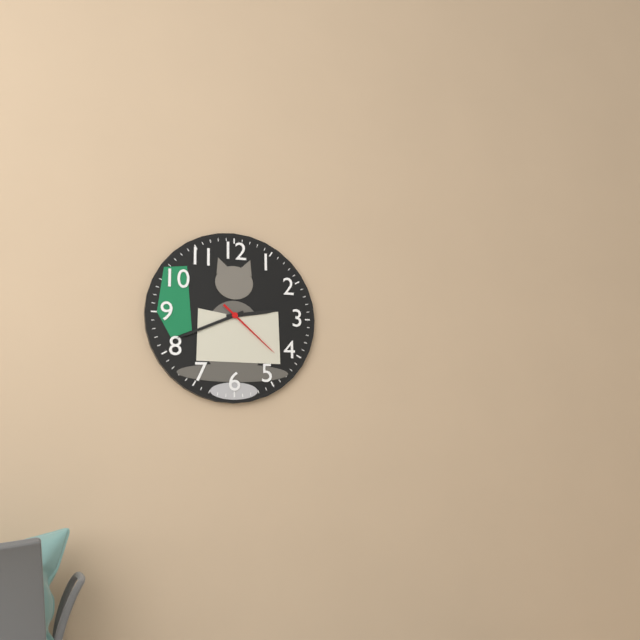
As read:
**2:41:22**
